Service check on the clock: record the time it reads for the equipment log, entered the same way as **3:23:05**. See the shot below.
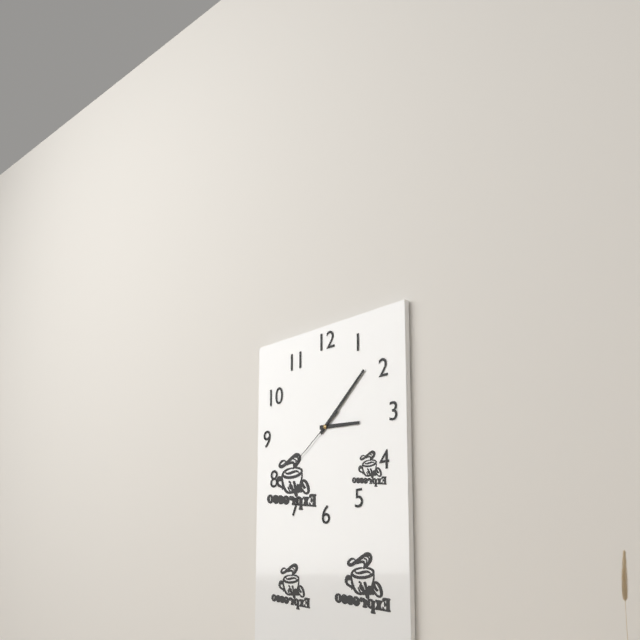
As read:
**3:08:39**
